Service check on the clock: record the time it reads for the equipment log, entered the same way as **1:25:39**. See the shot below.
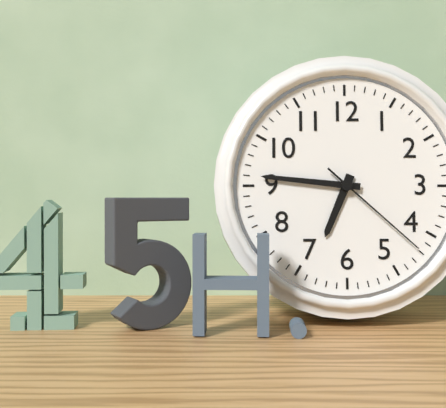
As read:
**6:46:22**
